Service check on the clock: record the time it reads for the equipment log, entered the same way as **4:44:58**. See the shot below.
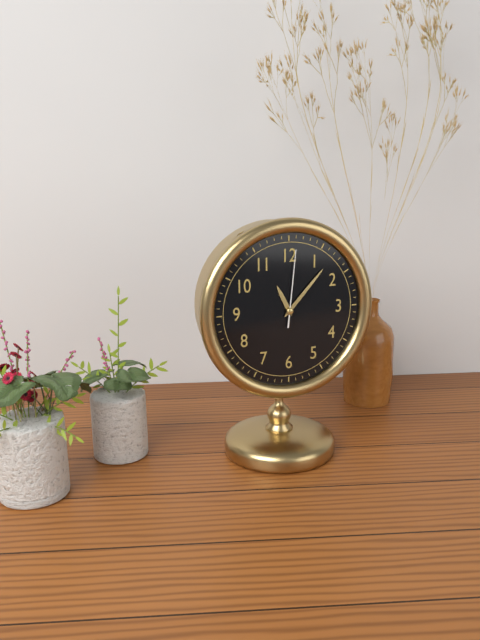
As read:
**11:07:01**
